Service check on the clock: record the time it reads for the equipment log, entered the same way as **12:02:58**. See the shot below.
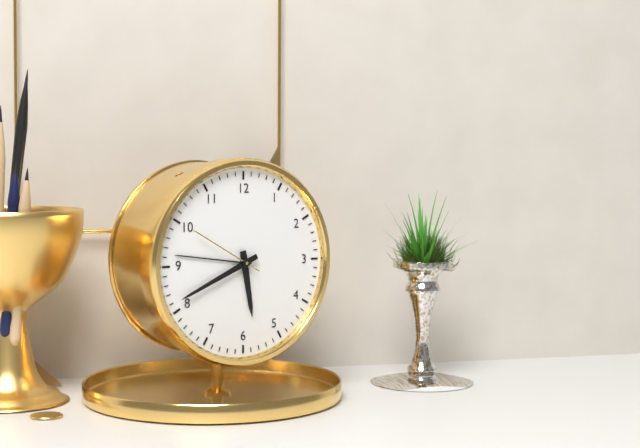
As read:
**5:41:50**
